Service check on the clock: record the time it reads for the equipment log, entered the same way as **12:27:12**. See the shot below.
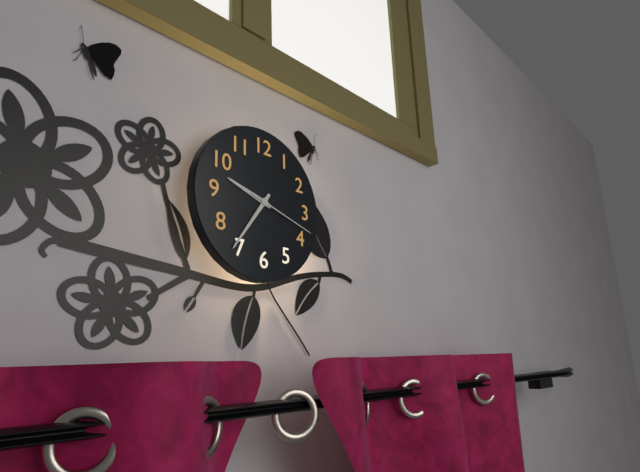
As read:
**9:36:18**
